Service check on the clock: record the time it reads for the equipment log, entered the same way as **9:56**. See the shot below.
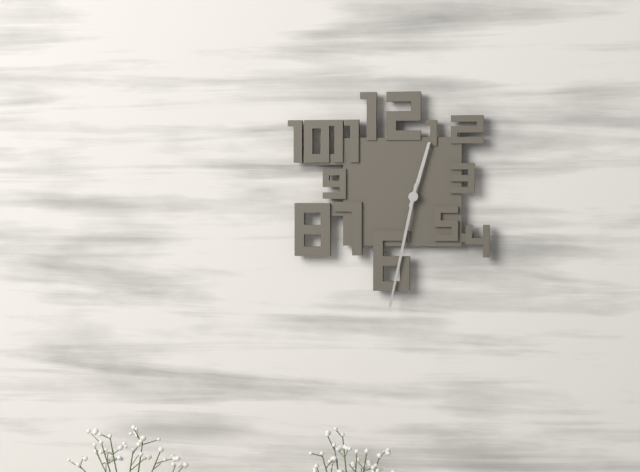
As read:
**12:32**
